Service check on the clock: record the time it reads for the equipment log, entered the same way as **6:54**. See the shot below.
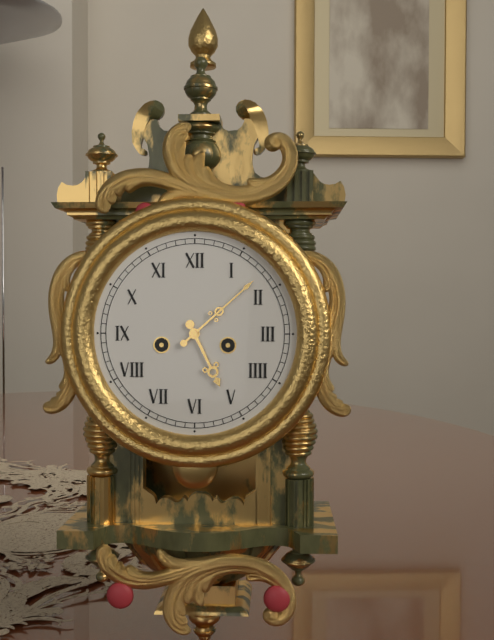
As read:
**5:08**
